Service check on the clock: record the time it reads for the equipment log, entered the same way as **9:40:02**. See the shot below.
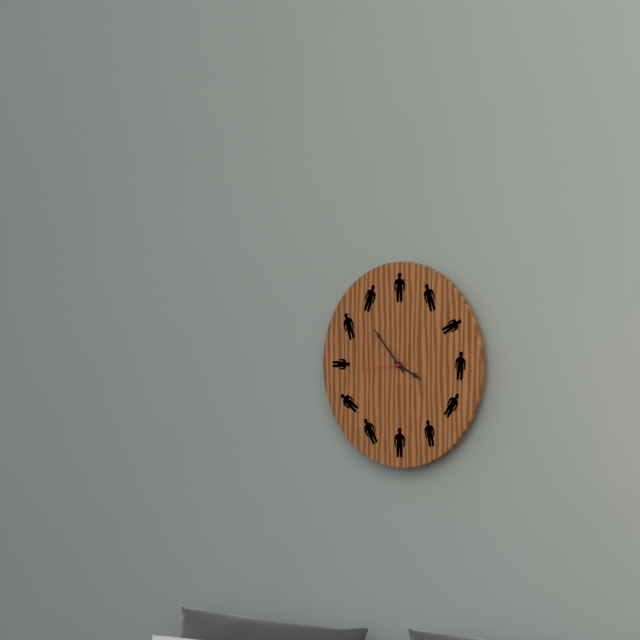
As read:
**3:53:44**
